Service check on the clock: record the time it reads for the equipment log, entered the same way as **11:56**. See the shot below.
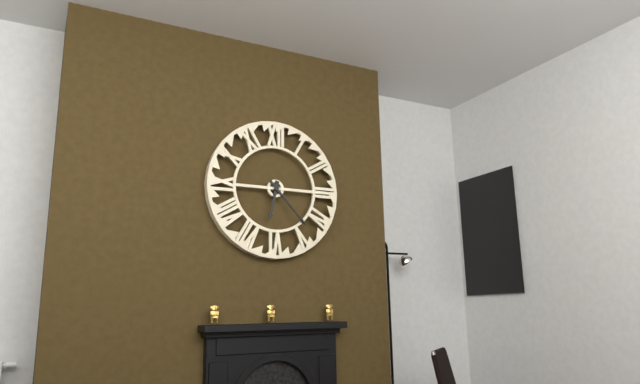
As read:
**6:23**
